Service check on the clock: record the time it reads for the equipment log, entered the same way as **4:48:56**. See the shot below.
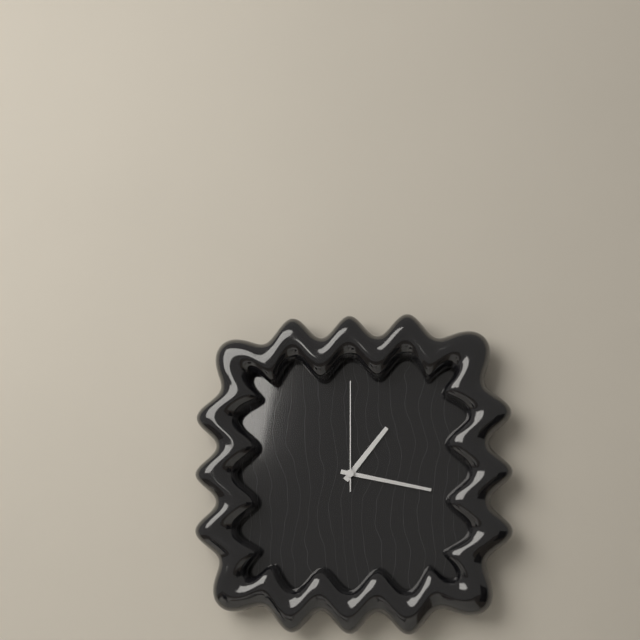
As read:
**1:17:00**
